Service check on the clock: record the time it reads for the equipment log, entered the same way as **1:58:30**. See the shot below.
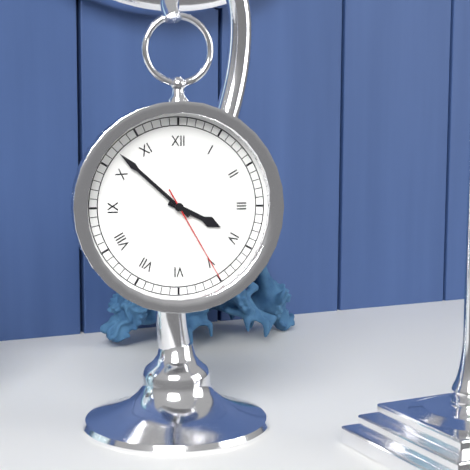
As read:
**3:52:25**
